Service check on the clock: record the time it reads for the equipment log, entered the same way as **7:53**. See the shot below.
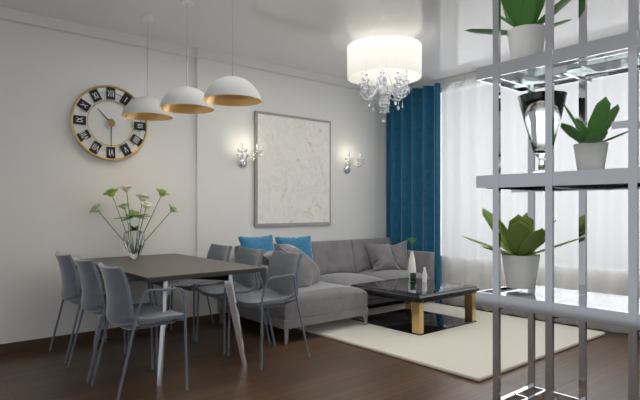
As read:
**10:30**
